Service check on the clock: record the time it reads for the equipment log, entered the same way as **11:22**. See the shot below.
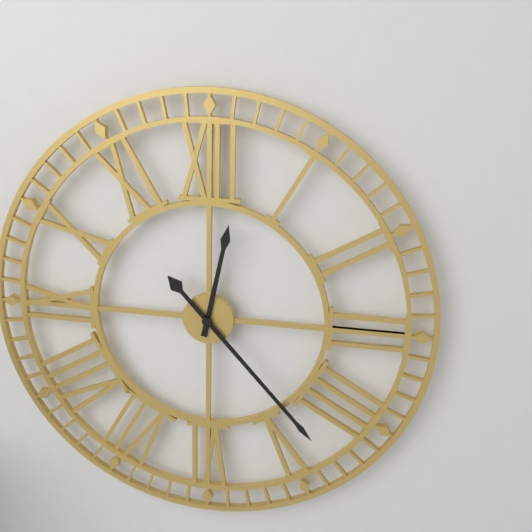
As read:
**12:23**
